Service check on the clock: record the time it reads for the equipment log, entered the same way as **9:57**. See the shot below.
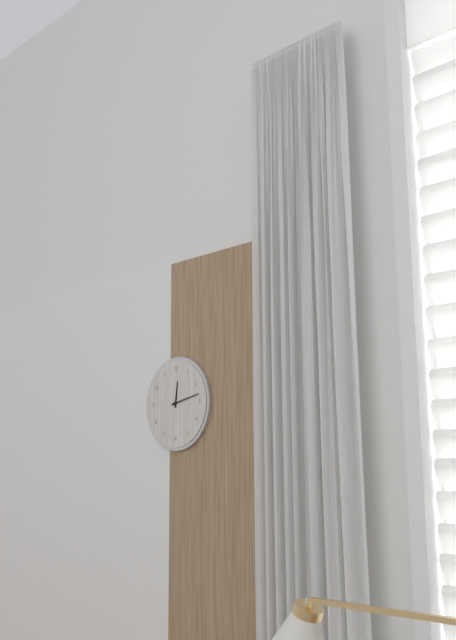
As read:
**12:13**
